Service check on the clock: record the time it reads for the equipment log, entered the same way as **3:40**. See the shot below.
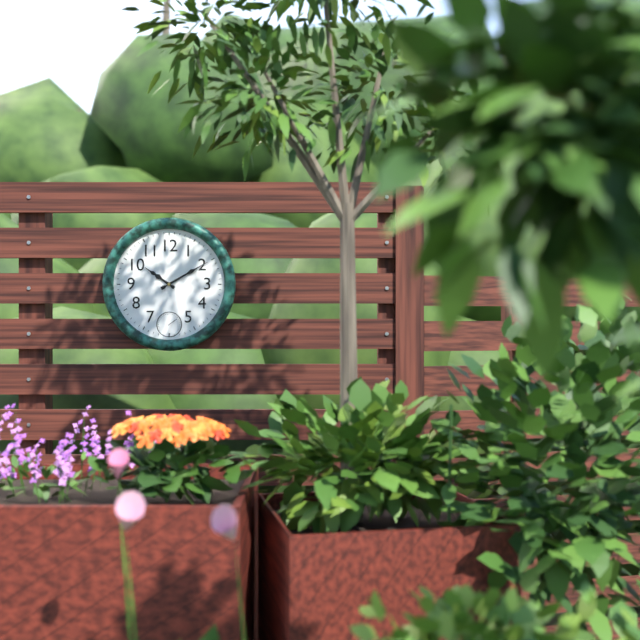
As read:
**10:10**
